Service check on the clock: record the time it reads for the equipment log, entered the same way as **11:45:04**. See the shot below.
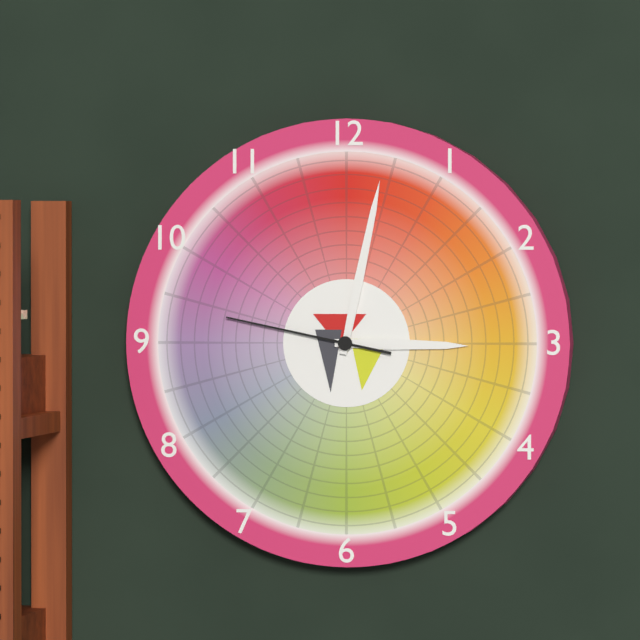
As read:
**3:02:47**
